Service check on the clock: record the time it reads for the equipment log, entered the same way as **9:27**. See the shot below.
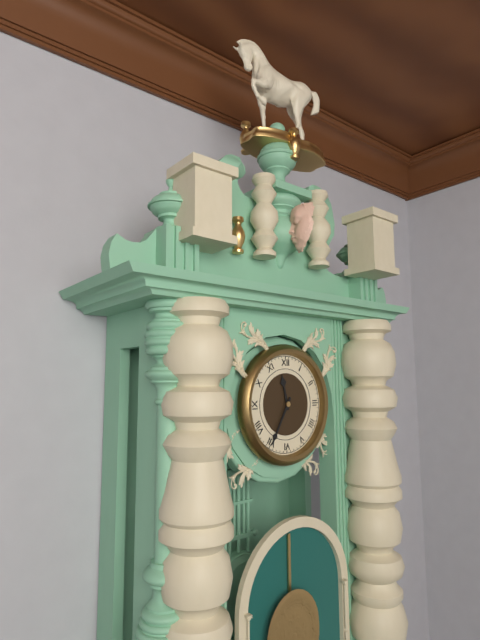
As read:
**11:35**
